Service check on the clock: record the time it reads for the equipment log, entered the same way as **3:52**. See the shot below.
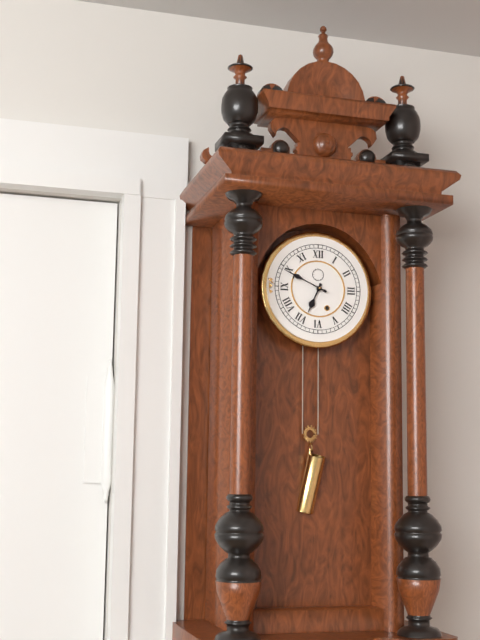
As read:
**6:49**
